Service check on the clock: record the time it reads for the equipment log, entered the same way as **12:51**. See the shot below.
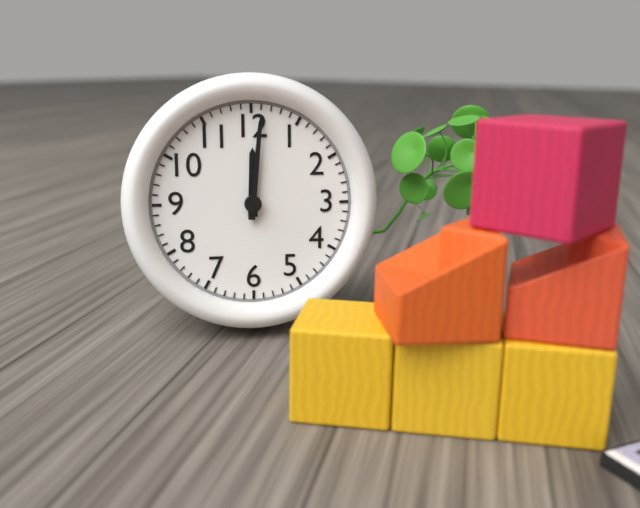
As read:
**12:01**
